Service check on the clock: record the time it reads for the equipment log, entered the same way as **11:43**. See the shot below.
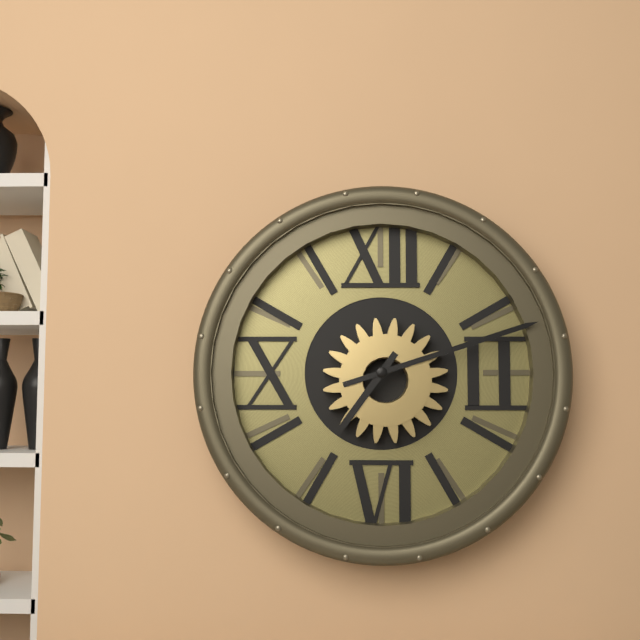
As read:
**7:12**
